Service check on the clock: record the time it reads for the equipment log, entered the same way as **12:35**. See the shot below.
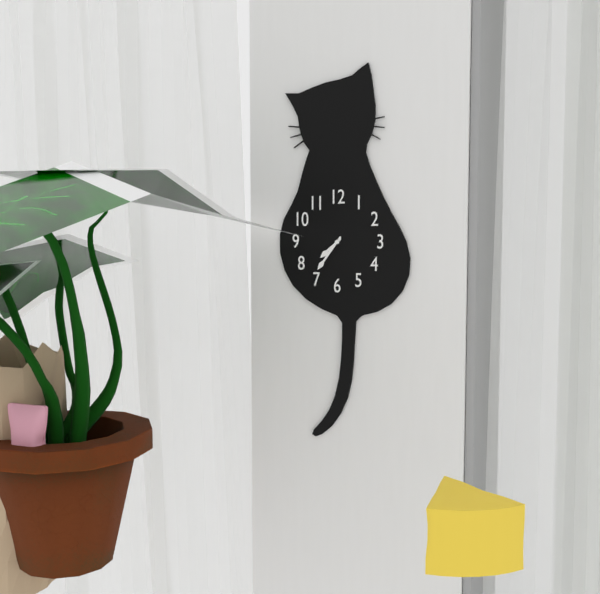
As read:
**7:36**
